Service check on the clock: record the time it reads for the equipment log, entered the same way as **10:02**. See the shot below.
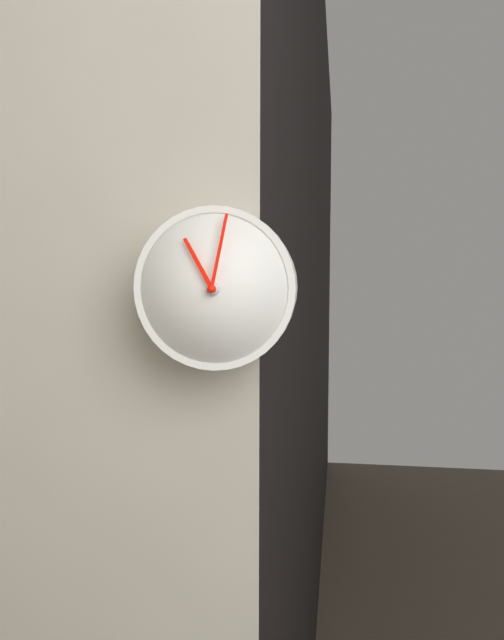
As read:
**11:02**
